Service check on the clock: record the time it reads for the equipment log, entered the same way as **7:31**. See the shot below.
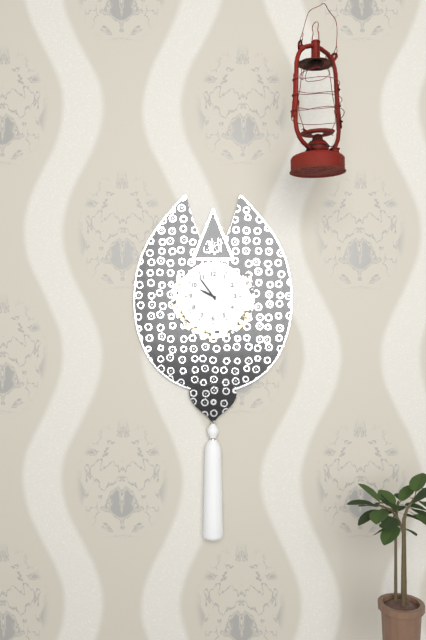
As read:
**9:54**
